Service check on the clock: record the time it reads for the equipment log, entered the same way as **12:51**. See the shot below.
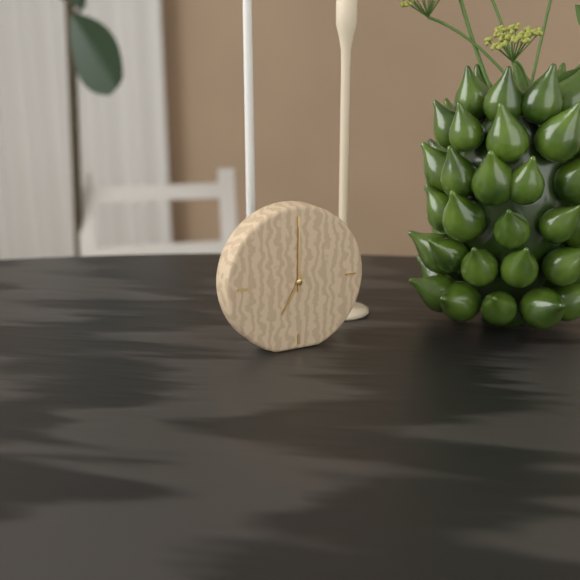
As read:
**7:00**
